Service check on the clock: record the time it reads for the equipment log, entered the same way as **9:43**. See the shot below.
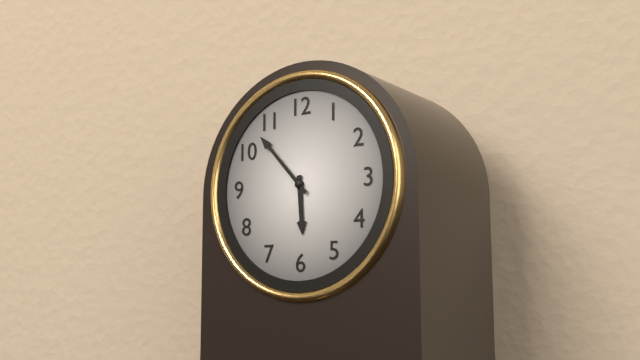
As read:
**5:53**
